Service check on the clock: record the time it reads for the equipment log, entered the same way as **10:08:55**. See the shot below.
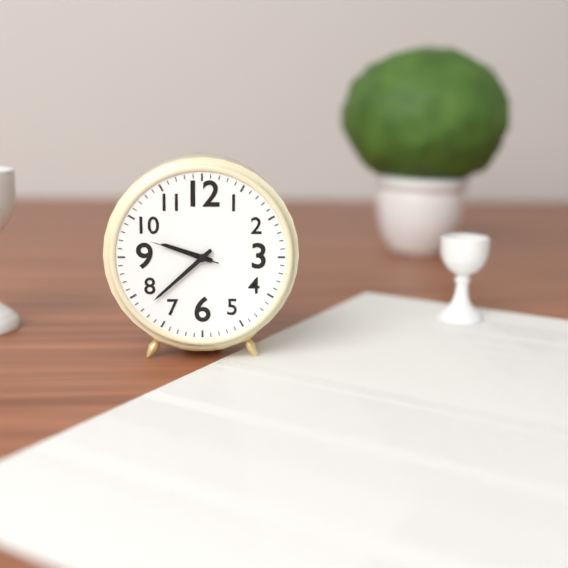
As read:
**9:38:48**
